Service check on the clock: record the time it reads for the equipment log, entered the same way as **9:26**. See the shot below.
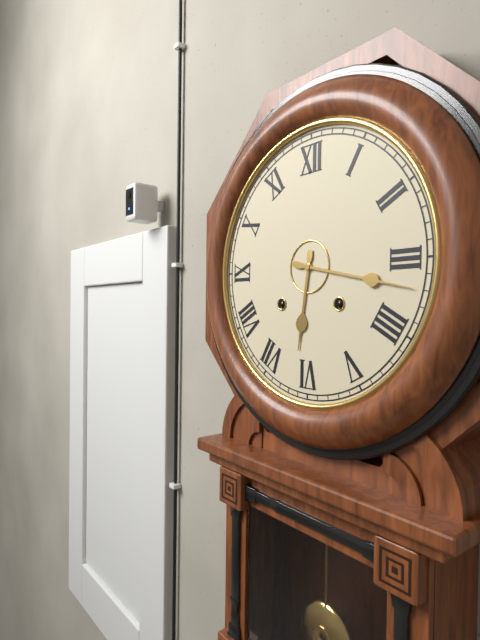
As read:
**6:17**
